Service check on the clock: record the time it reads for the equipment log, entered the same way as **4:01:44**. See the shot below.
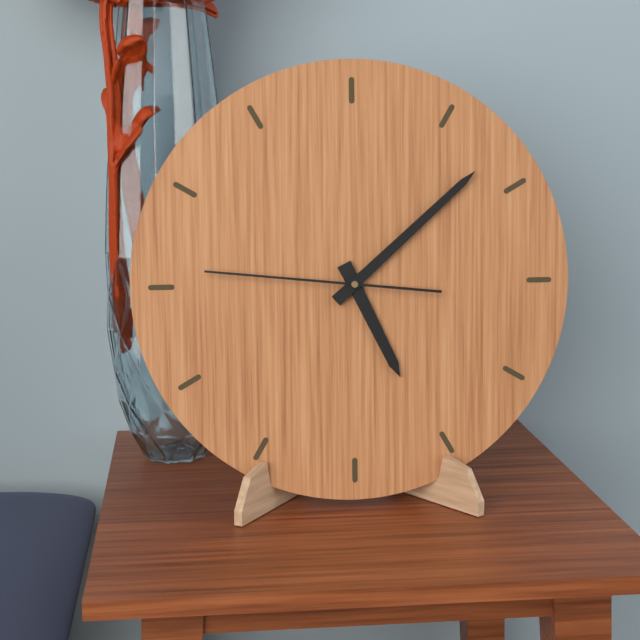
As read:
**5:08:46**
